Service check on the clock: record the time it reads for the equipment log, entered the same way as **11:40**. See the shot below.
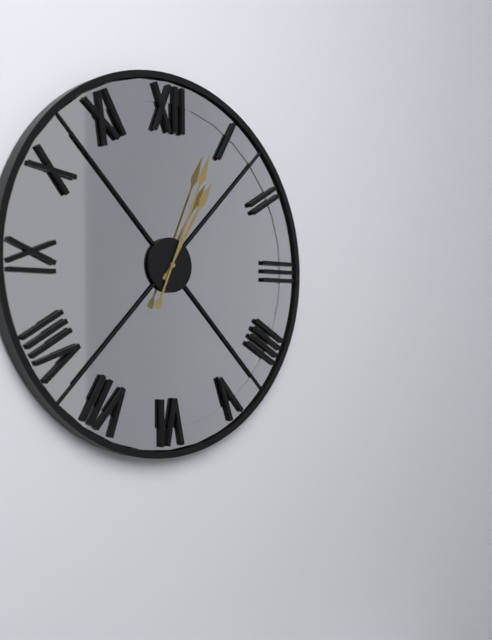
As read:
**1:04**
